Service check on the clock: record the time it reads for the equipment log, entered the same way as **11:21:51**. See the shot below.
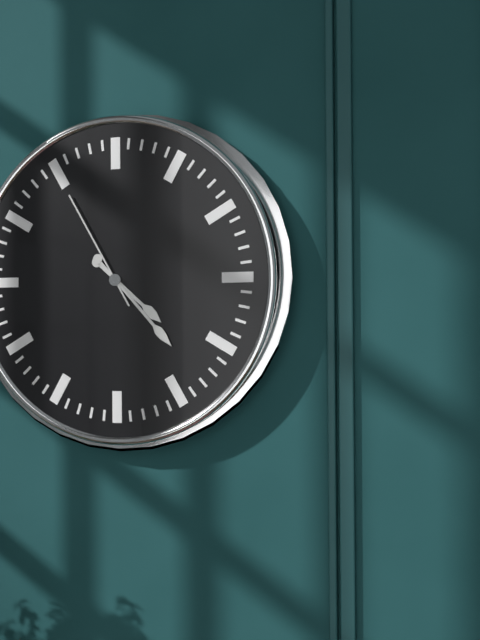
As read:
**4:23:55**
